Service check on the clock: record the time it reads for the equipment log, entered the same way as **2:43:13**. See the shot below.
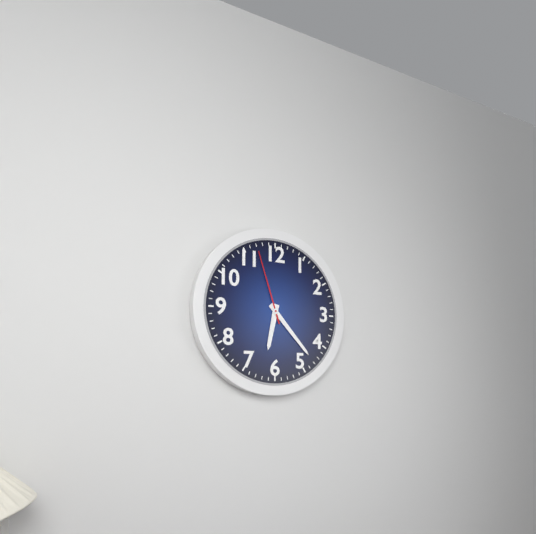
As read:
**6:23:57**
